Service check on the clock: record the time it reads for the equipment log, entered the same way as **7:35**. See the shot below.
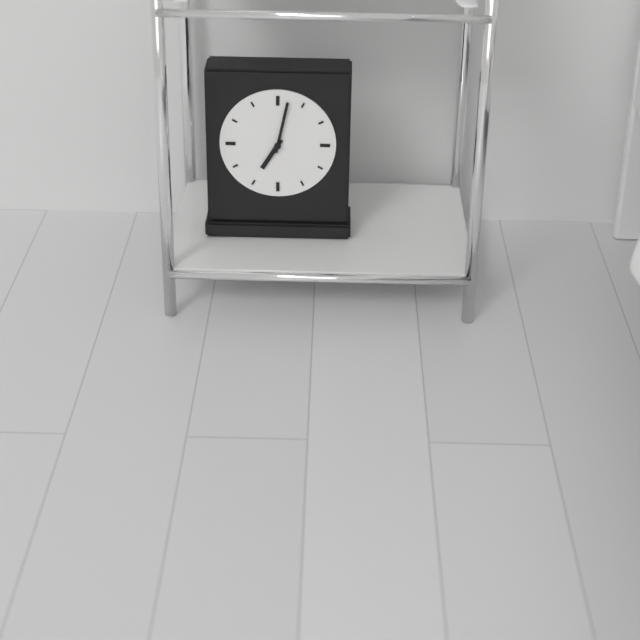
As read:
**7:02**
